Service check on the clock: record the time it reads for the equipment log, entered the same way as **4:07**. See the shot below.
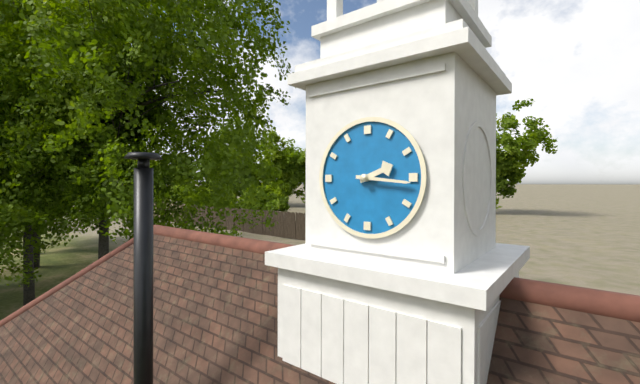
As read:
**2:16**
